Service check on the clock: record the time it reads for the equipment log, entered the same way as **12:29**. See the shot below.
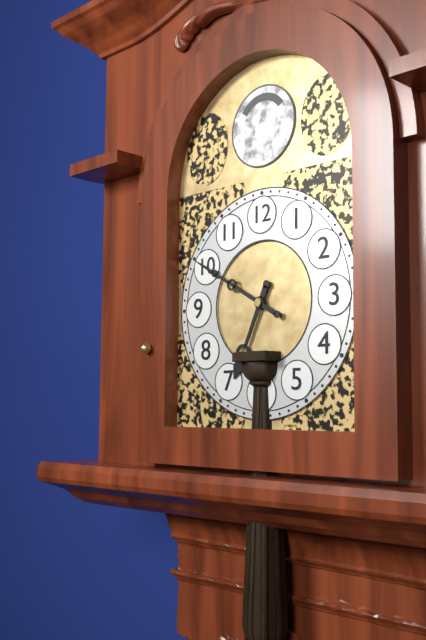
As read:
**6:50**
